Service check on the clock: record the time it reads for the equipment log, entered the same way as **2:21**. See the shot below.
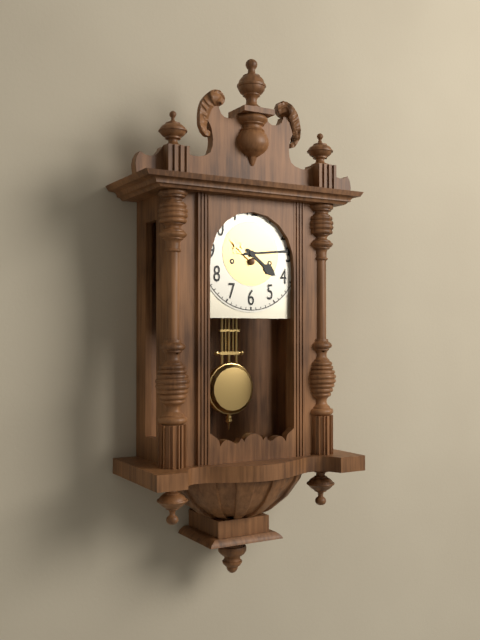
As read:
**4:14**
